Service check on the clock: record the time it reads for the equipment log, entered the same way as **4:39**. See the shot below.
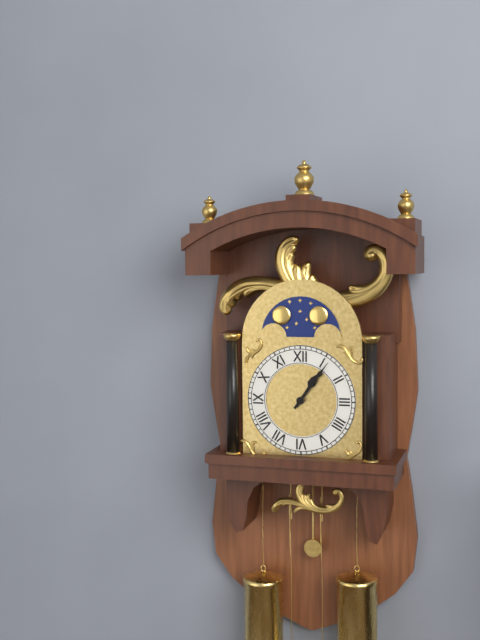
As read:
**1:06**
